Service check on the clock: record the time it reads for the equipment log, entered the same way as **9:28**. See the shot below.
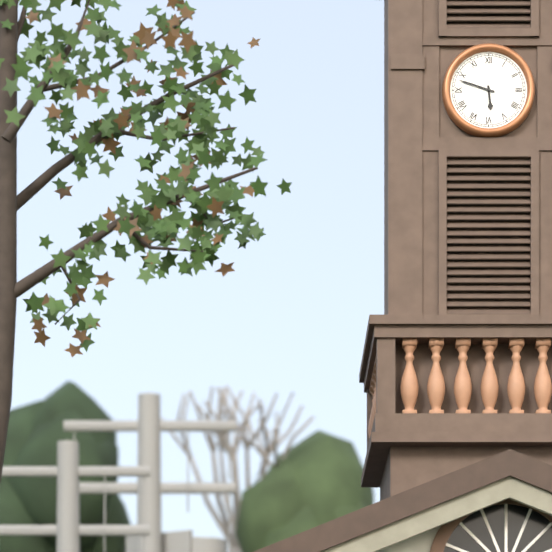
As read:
**5:48**
